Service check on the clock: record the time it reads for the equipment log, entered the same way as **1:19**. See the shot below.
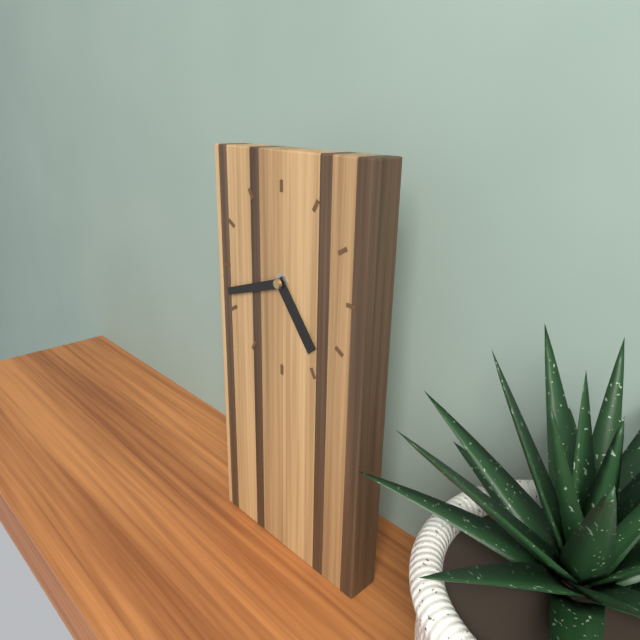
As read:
**4:42**
